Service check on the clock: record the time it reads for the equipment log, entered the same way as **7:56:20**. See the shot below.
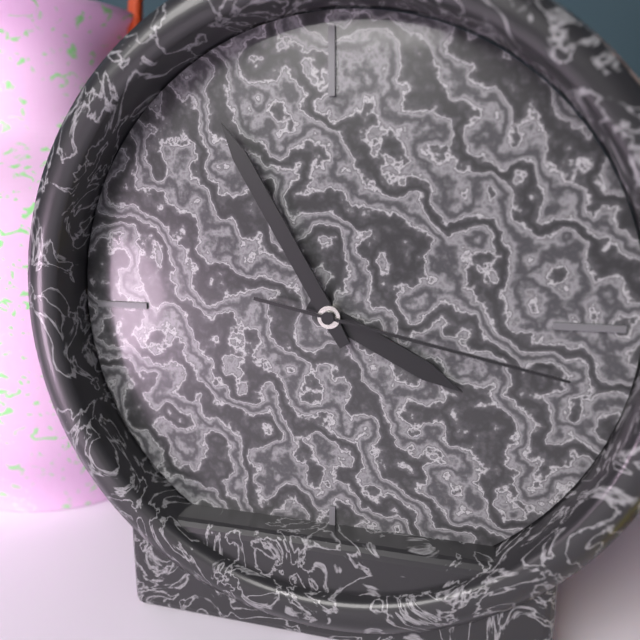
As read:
**3:55:17**
